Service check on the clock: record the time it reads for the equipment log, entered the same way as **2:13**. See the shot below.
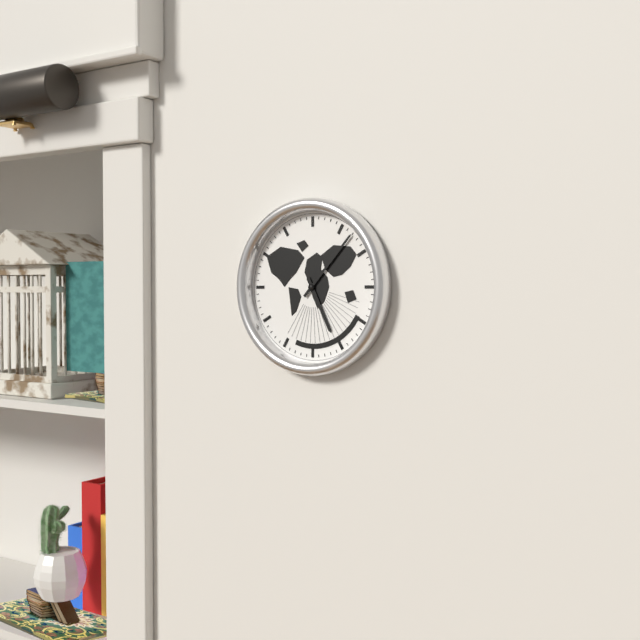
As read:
**5:07**
